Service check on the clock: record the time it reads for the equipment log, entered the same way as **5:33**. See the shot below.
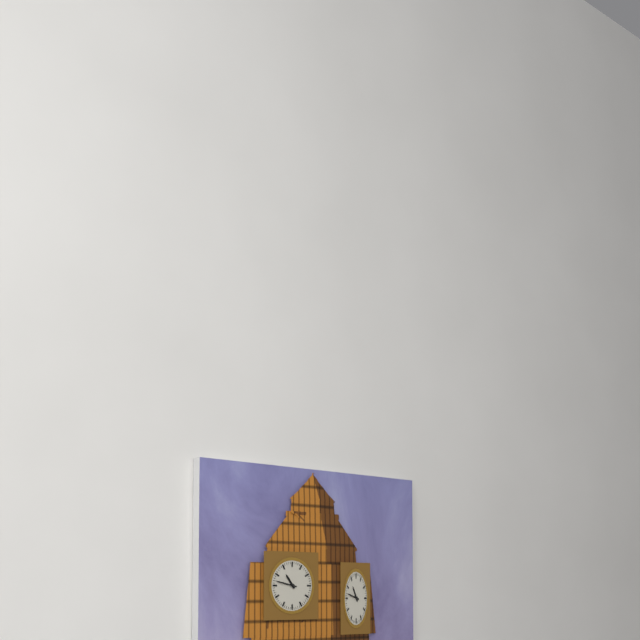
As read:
**10:47**
